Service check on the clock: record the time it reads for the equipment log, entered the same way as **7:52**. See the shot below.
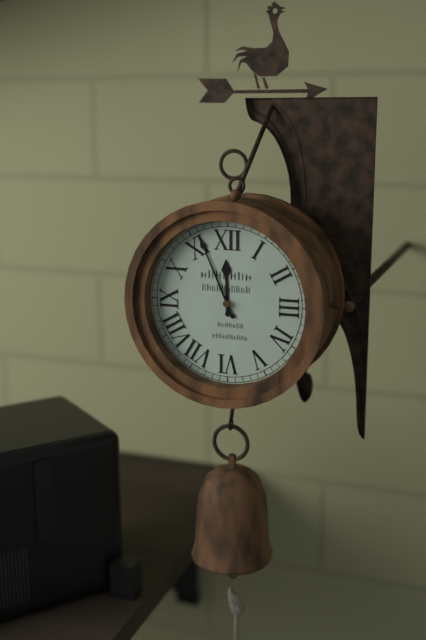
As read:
**11:56**
